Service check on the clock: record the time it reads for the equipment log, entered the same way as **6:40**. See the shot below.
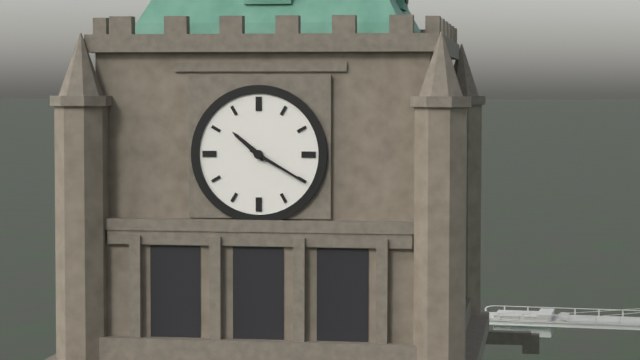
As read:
**10:20**
